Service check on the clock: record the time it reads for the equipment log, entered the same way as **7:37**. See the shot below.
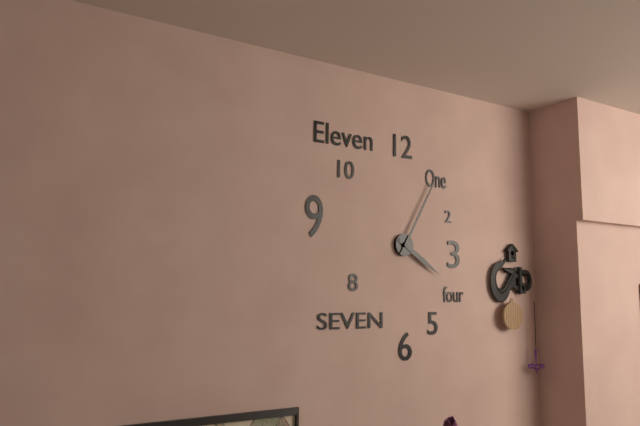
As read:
**4:05**
